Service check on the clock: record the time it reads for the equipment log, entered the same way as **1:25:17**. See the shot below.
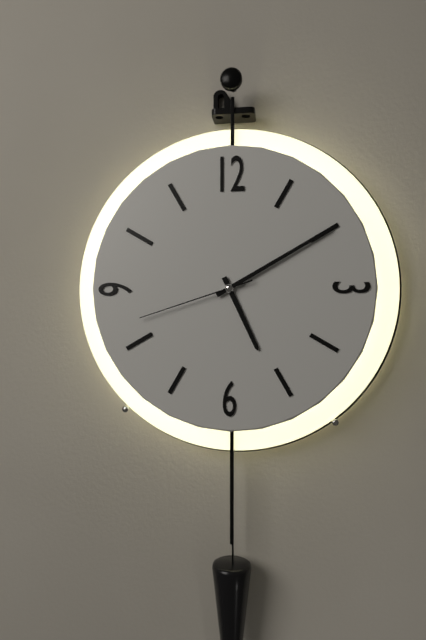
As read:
**5:10:42**
